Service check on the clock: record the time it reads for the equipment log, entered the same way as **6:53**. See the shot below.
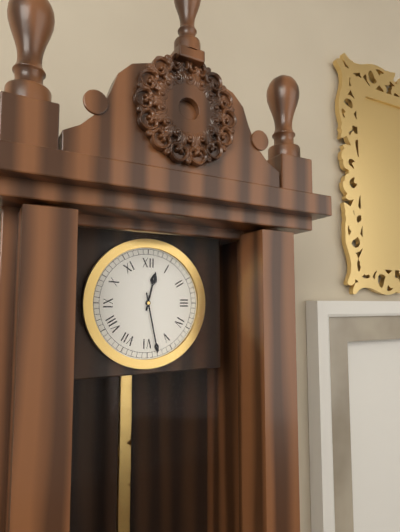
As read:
**12:28**
